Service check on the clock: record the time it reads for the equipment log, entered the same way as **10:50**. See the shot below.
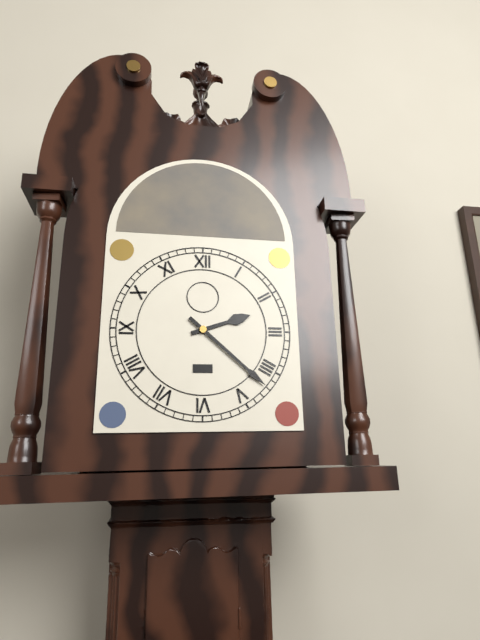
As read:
**2:22**
